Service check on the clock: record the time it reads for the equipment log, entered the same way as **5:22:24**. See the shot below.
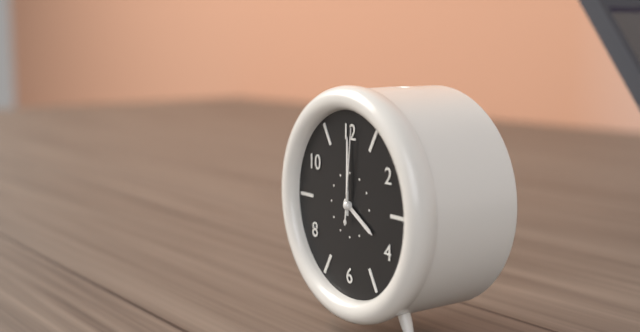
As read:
**4:00:01**
